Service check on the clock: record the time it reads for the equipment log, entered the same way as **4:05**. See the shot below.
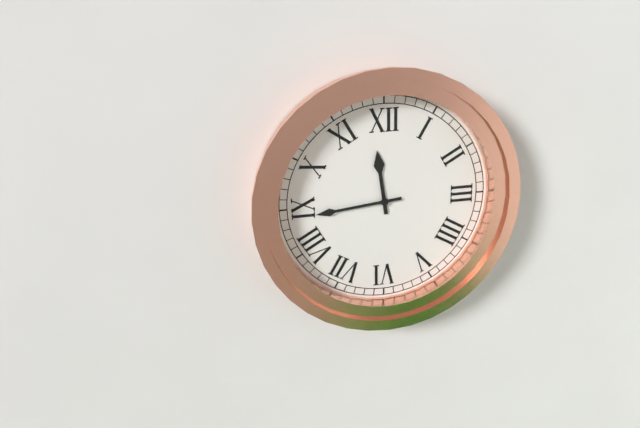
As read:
**11:44**
